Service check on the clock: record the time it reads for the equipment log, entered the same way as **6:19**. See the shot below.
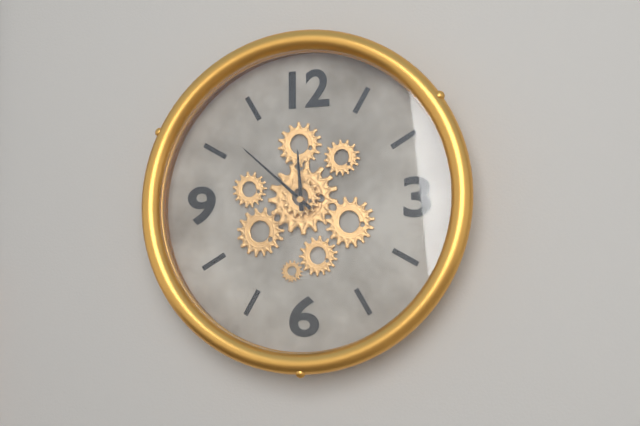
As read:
**11:52**
